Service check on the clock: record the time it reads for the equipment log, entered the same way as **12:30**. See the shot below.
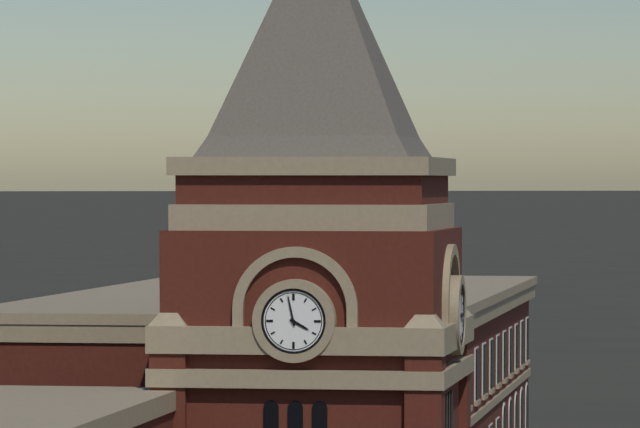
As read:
**3:58**
